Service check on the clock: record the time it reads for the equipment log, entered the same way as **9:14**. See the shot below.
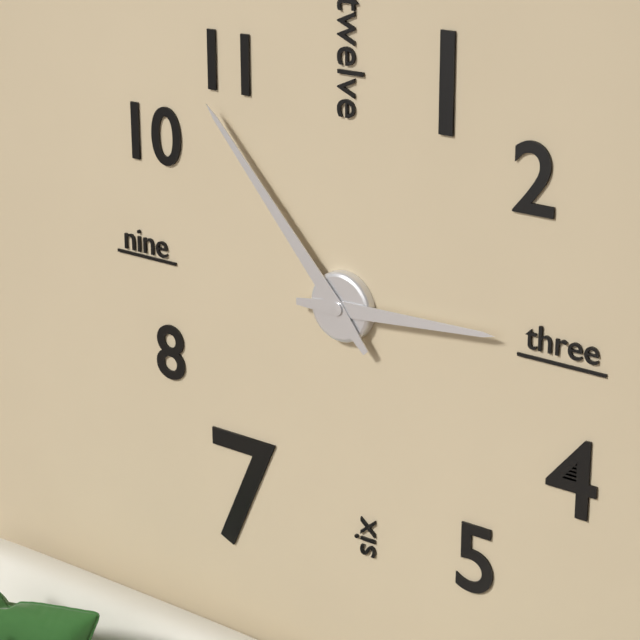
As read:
**2:53**
